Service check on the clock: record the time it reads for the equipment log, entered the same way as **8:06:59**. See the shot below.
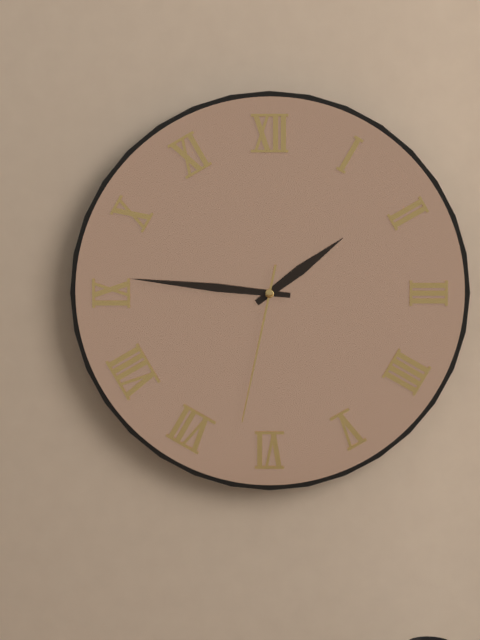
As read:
**1:46:32**
